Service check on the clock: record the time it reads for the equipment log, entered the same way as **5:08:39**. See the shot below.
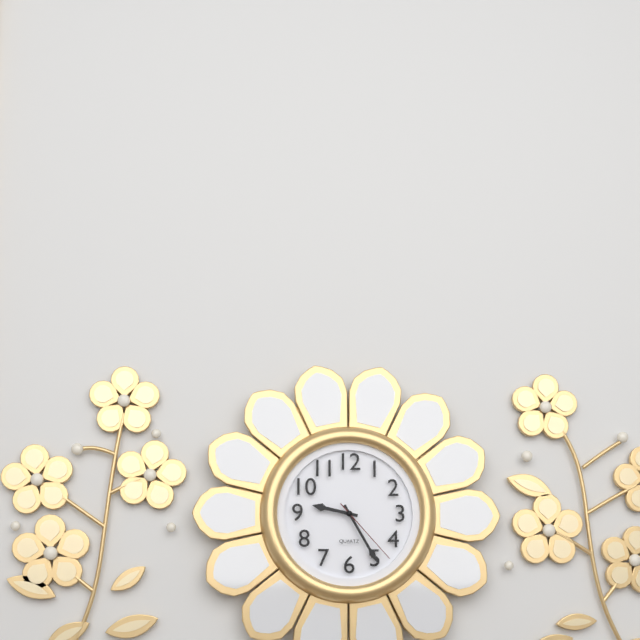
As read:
**9:25:23**
